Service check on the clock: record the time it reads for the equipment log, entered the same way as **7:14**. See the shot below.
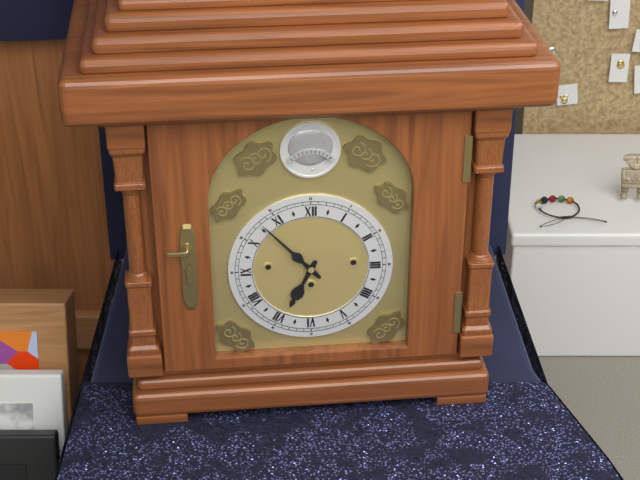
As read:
**6:53**
